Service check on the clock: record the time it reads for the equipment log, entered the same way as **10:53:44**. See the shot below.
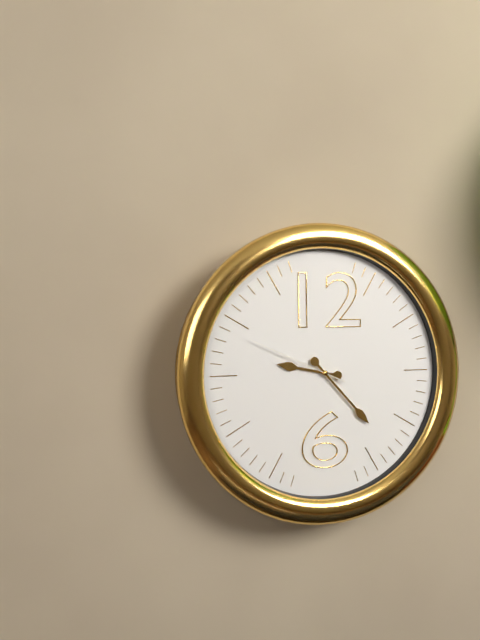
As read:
**9:23:49**
